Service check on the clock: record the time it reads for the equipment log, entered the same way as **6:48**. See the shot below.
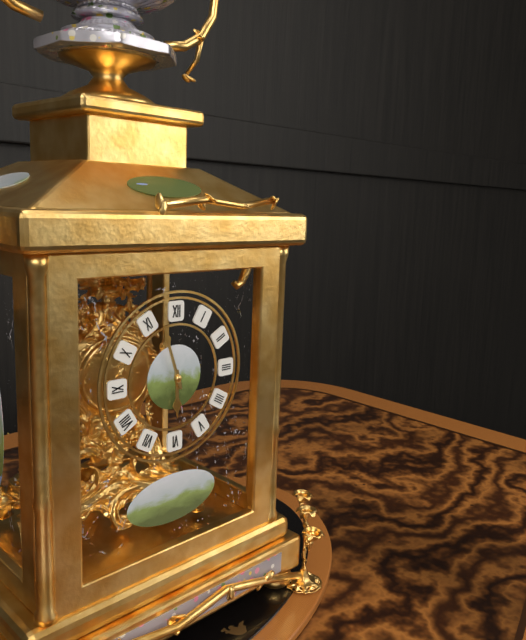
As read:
**5:57**
